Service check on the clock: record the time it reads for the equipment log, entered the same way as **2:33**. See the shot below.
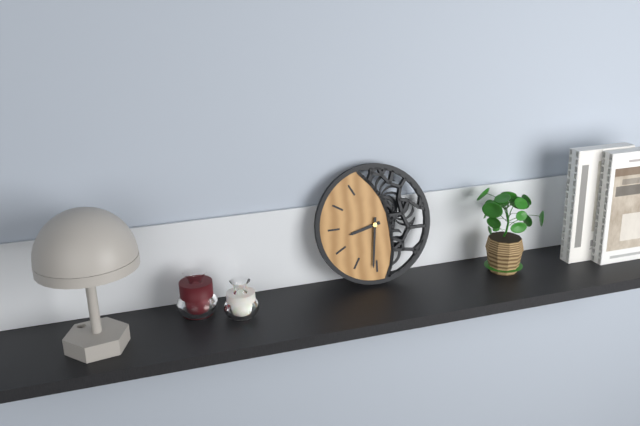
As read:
**8:31**
